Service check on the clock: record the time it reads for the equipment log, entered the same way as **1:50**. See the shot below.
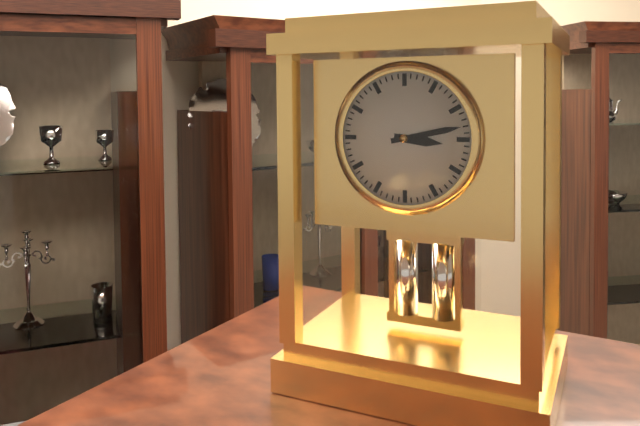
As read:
**3:13**
